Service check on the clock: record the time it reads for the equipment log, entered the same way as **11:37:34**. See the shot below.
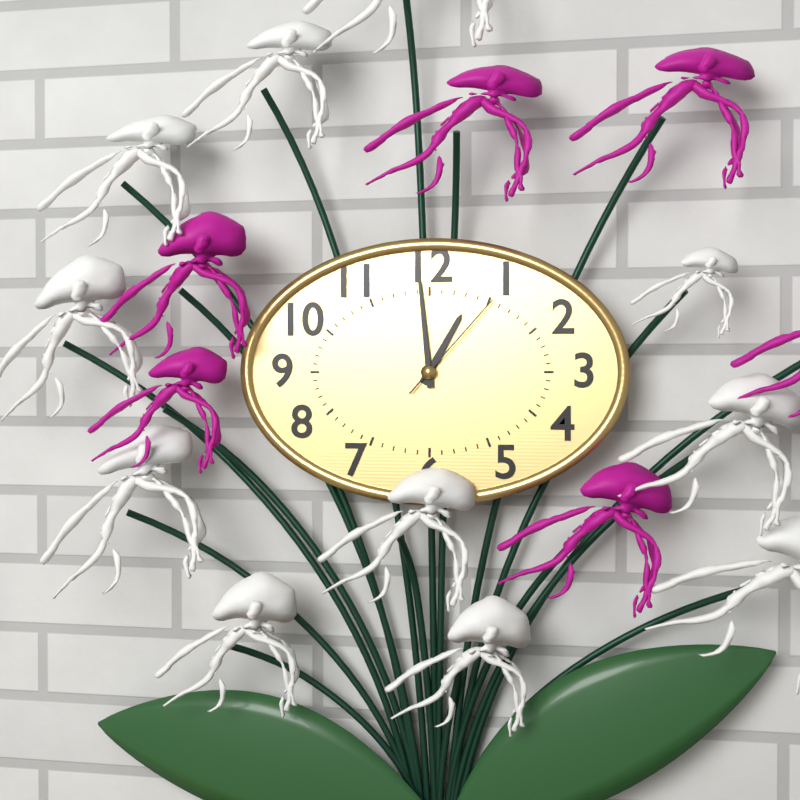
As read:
**12:59:07**
